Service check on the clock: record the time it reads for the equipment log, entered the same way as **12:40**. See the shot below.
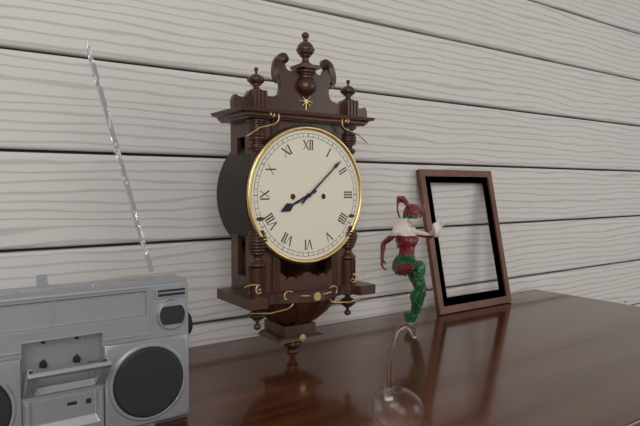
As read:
**8:08**
